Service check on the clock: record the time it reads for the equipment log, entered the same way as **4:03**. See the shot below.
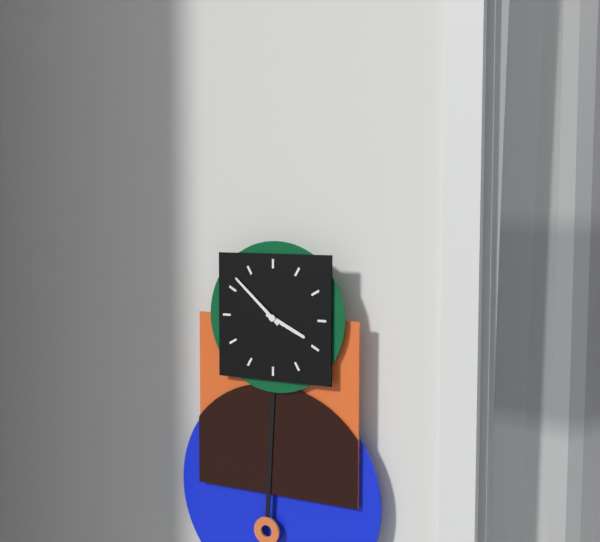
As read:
**3:52**
